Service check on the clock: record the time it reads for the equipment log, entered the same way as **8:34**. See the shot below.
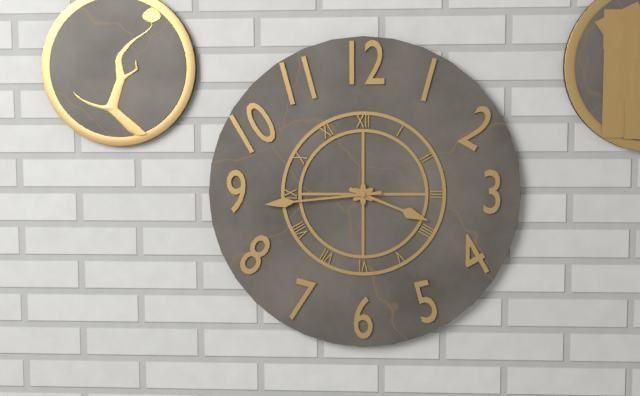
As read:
**3:44**
